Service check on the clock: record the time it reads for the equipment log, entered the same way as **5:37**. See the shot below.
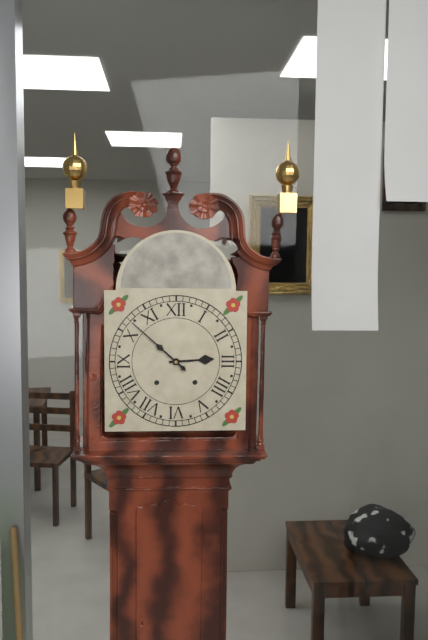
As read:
**2:52**
